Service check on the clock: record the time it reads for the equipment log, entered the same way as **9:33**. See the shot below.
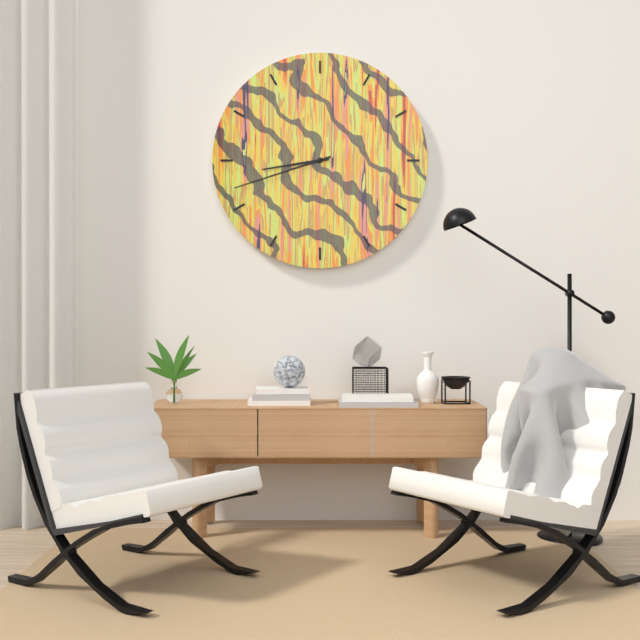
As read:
**8:42**
